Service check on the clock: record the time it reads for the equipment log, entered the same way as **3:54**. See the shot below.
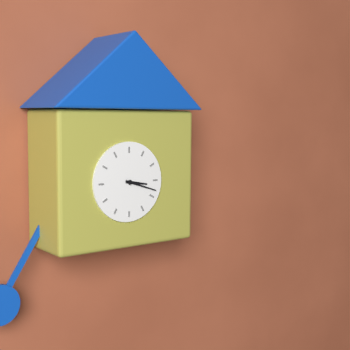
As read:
**3:18**
